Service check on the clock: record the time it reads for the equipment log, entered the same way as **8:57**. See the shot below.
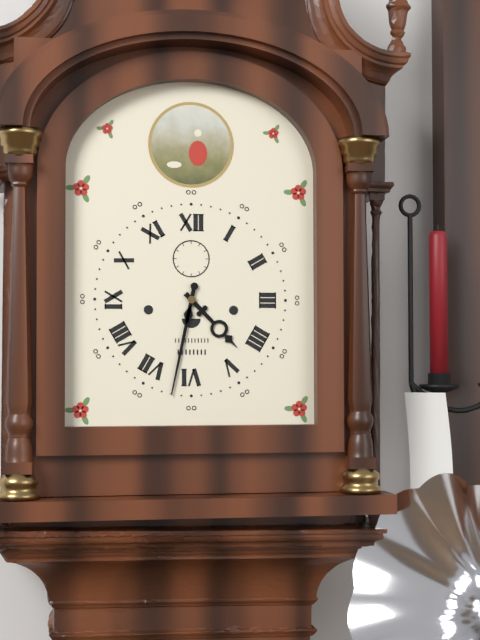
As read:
**4:32**
